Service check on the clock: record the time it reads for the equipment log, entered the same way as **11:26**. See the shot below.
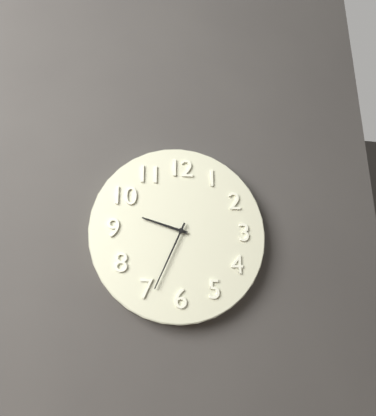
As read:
**9:34**
